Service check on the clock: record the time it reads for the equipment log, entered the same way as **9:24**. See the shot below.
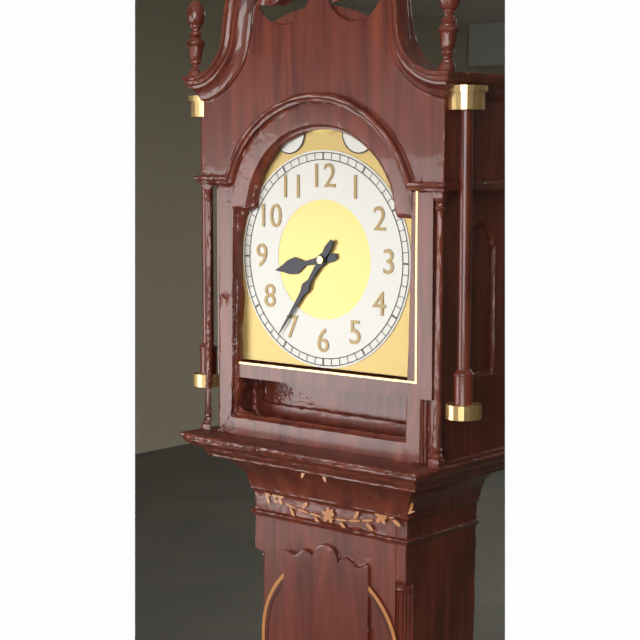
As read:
**8:36**
